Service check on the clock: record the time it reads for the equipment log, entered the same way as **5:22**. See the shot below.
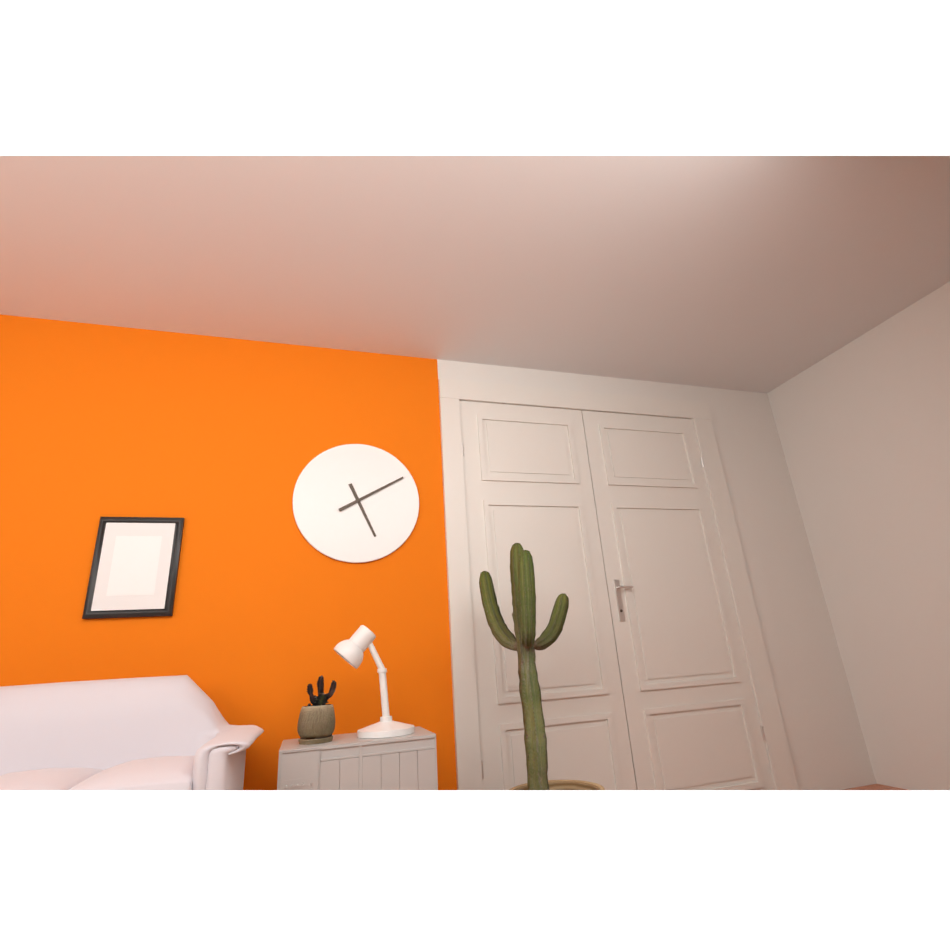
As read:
**5:10**
